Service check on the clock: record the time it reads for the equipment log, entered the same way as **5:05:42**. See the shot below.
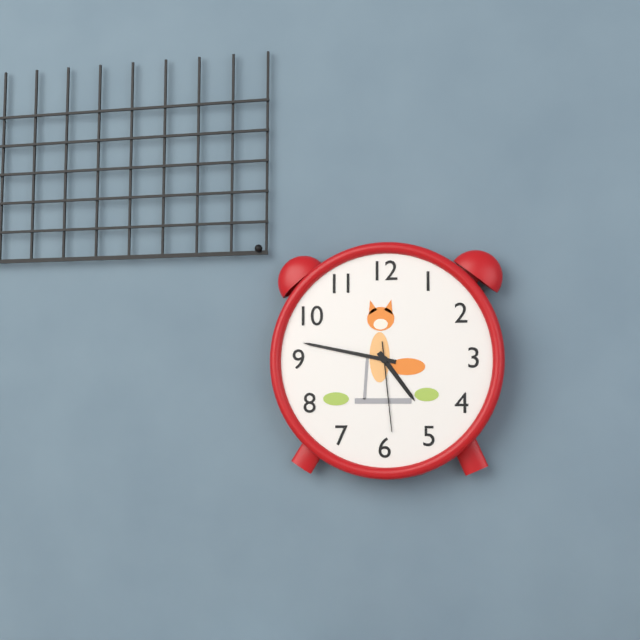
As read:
**4:47:29**
